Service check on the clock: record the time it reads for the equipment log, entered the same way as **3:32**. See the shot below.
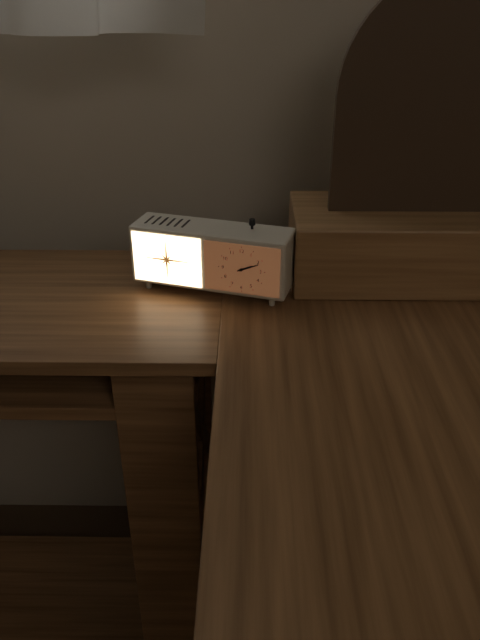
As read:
**2:11**
